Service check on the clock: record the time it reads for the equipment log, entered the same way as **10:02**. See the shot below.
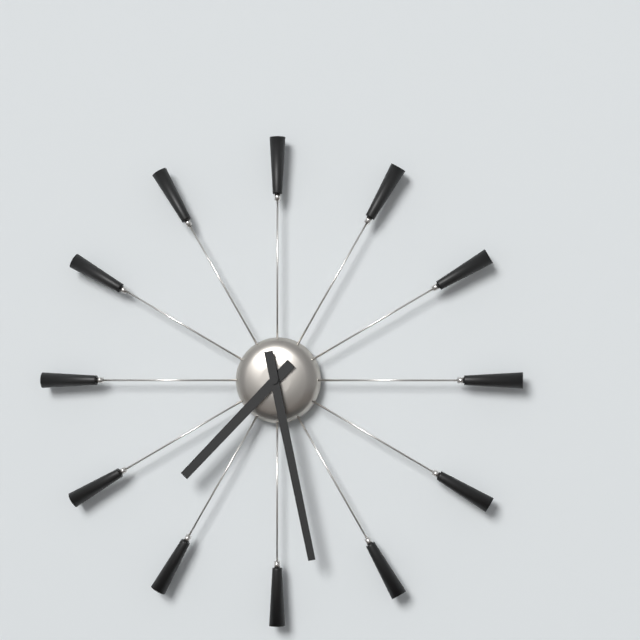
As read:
**7:28**
